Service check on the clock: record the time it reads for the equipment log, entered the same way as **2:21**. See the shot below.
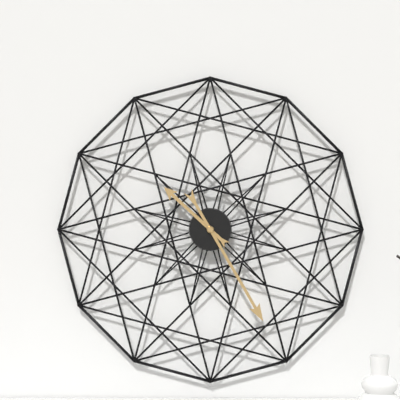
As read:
**10:25**
